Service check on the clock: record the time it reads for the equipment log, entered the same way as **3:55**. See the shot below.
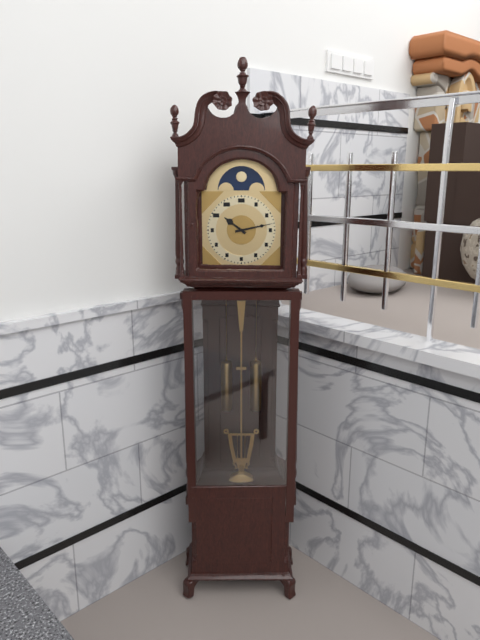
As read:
**10:13**
